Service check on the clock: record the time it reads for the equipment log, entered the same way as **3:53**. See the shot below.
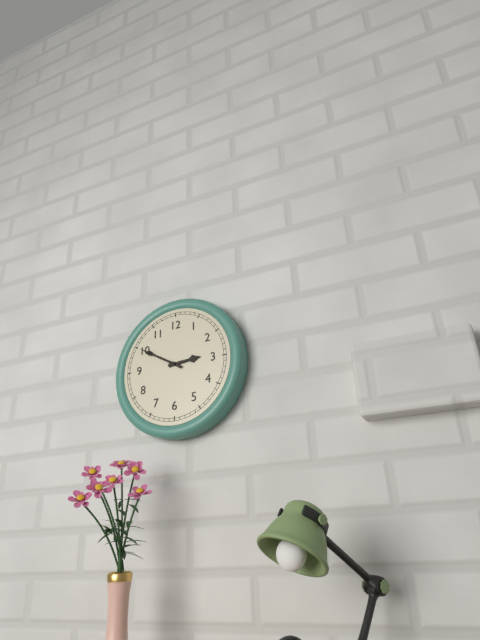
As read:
**2:50**
